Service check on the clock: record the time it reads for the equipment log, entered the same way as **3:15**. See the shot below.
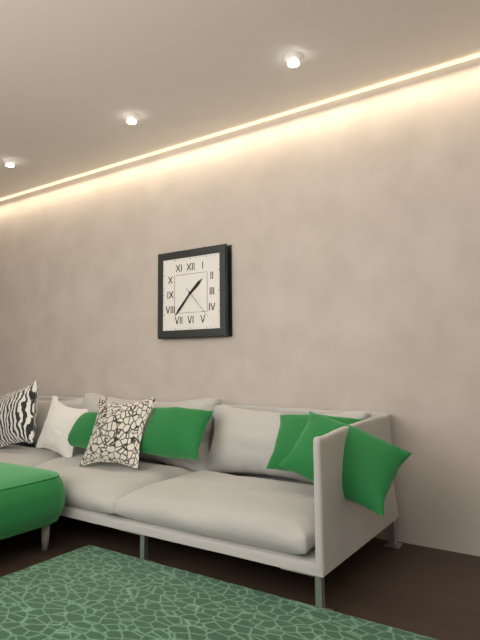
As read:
**1:37**
